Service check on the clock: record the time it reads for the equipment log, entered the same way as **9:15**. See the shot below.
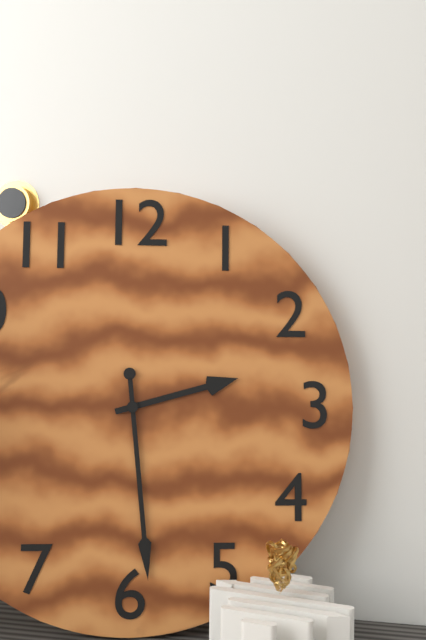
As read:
**2:29**
